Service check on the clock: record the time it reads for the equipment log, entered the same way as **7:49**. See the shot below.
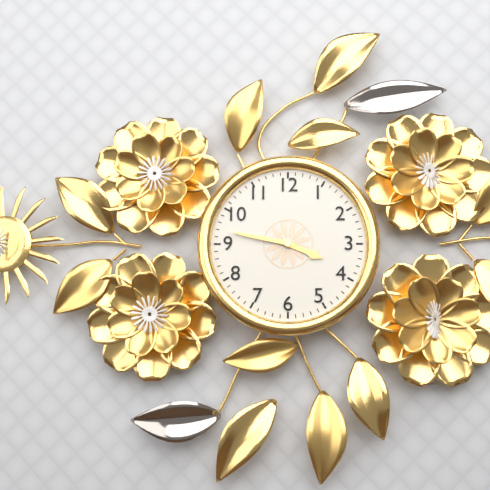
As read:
**3:47**
